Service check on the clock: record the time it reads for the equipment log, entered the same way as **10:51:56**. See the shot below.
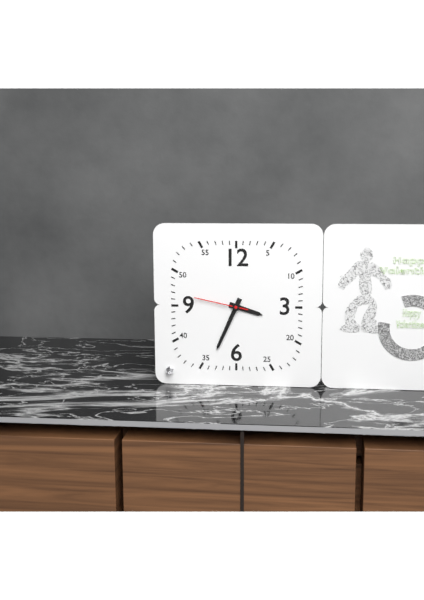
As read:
**3:34:47**
